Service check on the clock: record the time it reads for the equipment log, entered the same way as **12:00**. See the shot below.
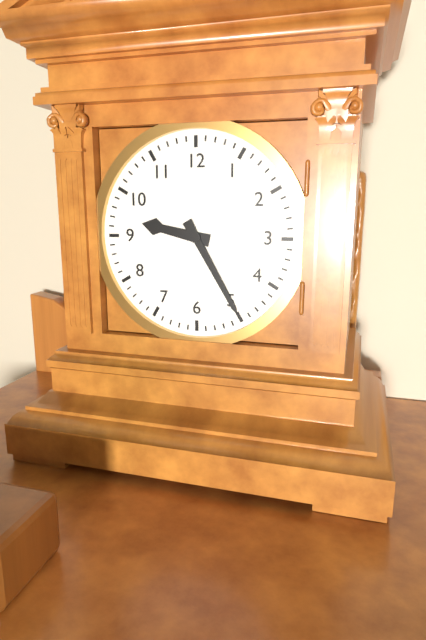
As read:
**9:25**
